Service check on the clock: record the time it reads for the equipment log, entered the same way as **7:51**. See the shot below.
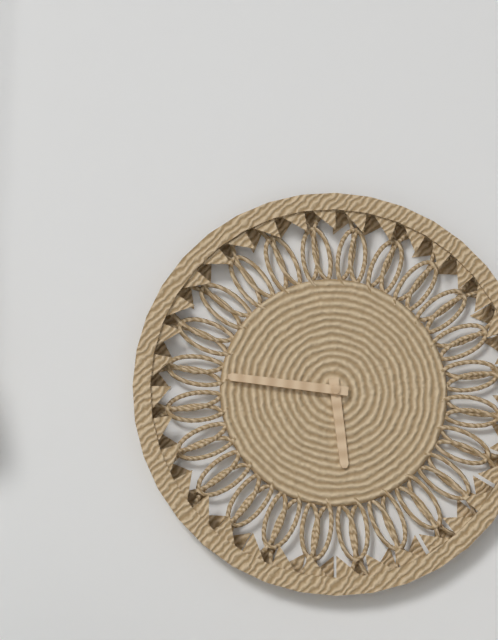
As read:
**5:46**
